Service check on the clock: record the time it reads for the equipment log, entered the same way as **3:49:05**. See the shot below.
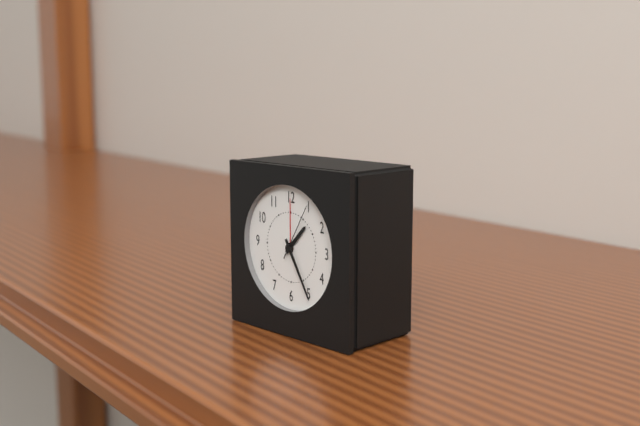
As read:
**1:25:05**
